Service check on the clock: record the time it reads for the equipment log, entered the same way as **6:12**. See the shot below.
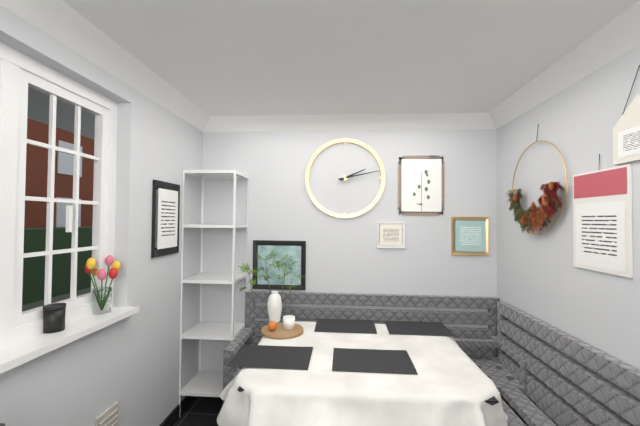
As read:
**2:13**
